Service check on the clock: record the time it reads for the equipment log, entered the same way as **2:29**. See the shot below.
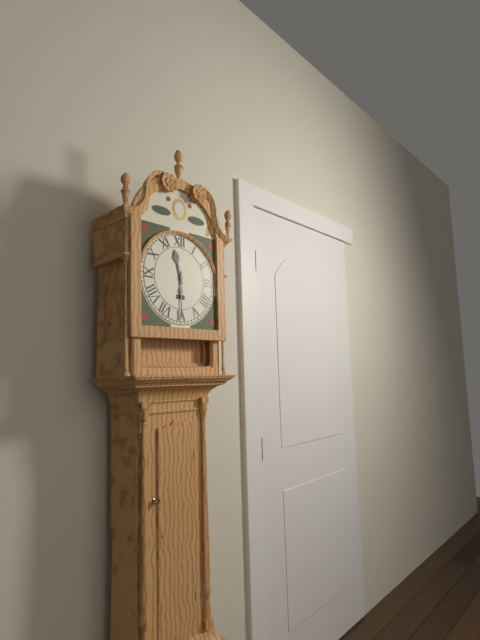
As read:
**11:30**
